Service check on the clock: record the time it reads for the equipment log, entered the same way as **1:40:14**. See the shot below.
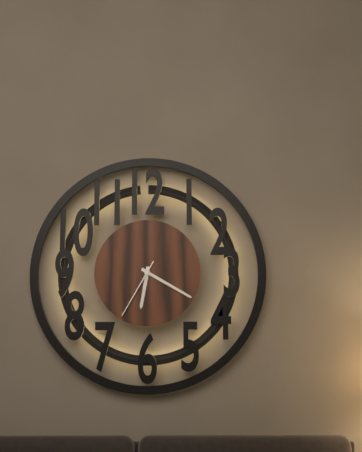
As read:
**6:20:35**
